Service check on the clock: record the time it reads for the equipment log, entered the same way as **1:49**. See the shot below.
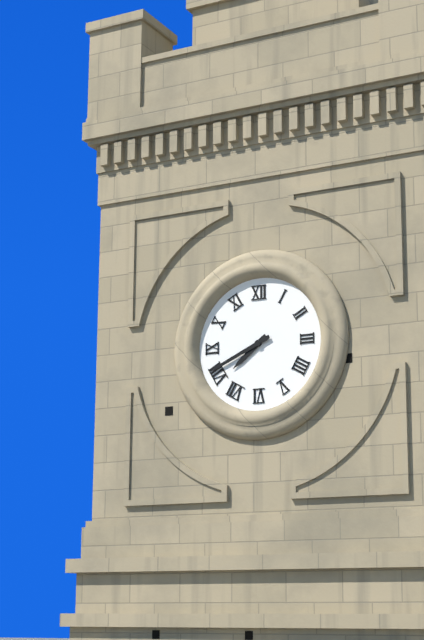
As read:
**7:41**
